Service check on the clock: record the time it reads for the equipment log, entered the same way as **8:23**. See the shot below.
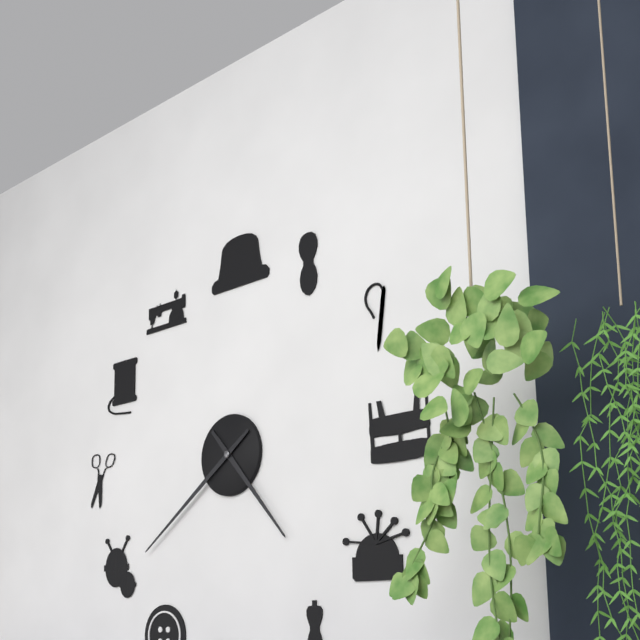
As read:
**4:39**
